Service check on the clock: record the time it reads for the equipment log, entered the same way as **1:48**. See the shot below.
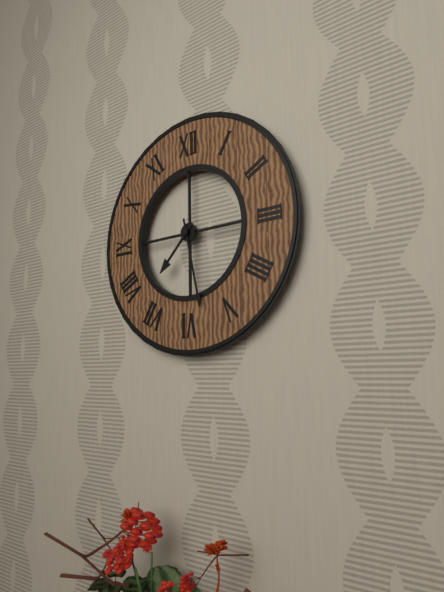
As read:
**7:28**
